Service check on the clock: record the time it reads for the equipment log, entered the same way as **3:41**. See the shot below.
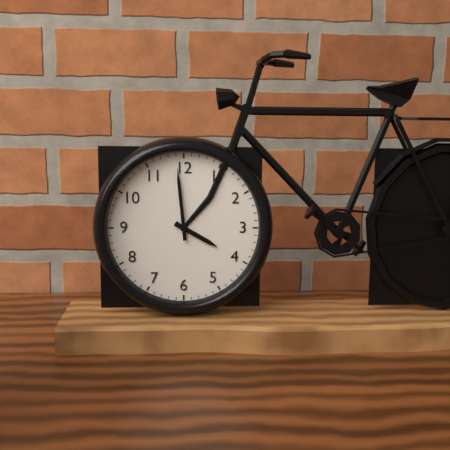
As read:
**3:59**
